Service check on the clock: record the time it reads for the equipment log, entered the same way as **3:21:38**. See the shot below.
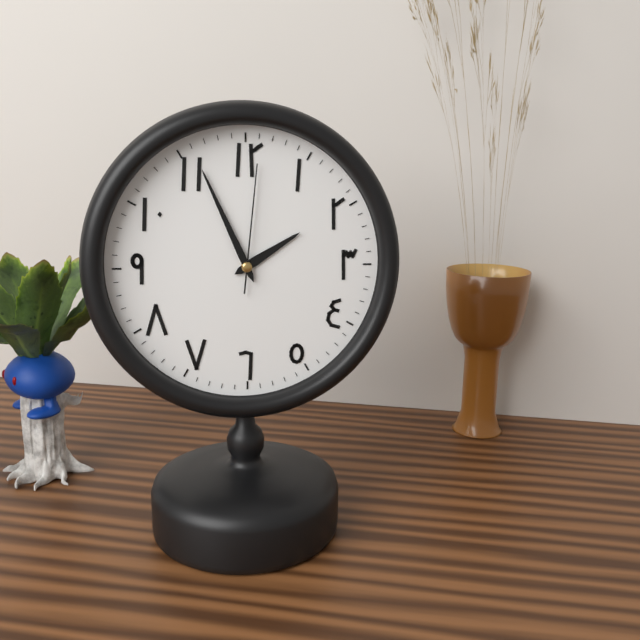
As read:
**1:56:01**
